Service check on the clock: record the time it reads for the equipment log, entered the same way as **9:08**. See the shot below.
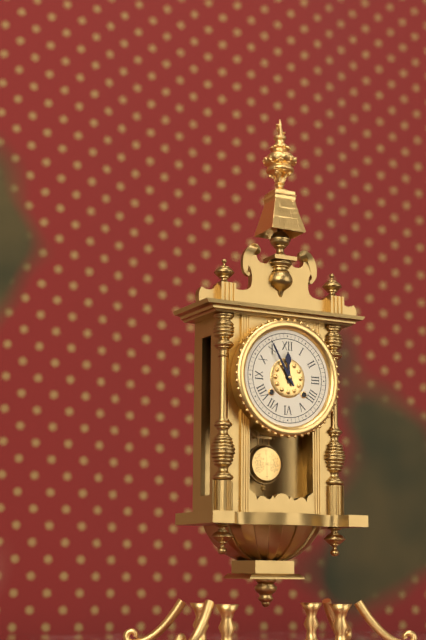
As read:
**11:55**
